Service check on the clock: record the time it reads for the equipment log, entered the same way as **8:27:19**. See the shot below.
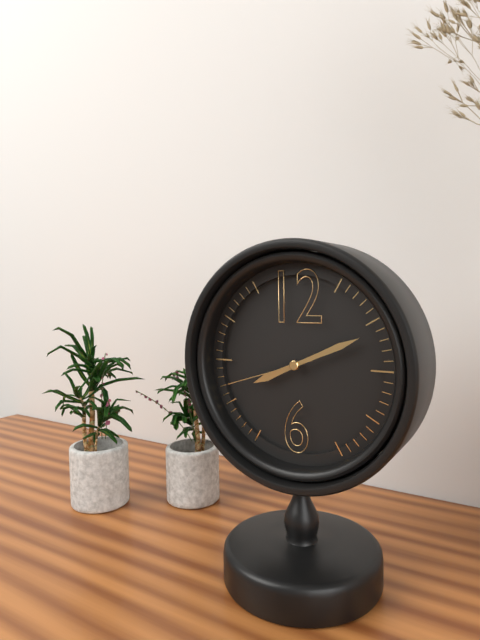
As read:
**8:11:42**
